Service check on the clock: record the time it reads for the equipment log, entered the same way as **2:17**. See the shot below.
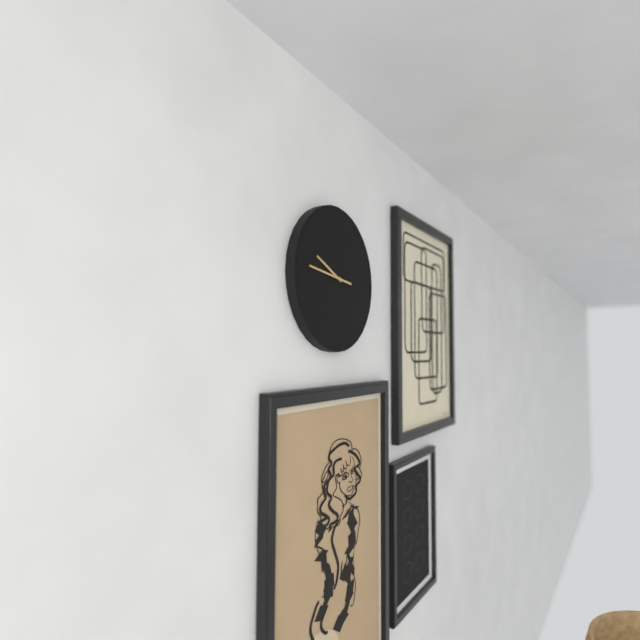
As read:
**9:46**
